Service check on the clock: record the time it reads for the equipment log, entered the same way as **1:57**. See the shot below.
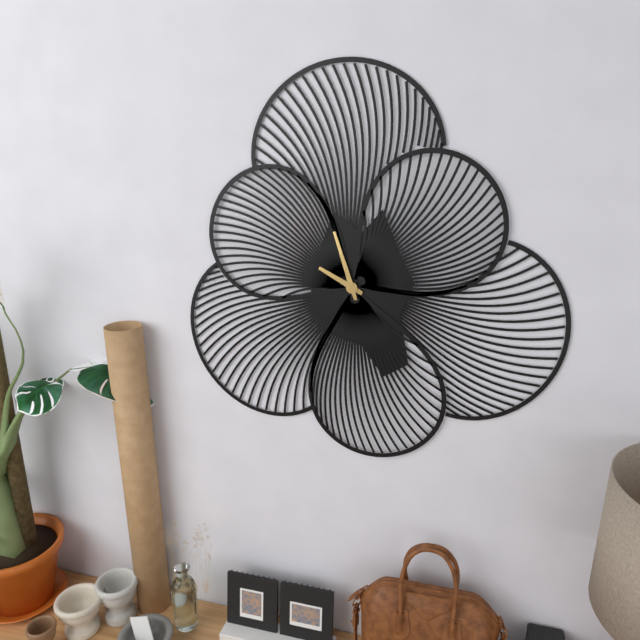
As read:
**9:57**
